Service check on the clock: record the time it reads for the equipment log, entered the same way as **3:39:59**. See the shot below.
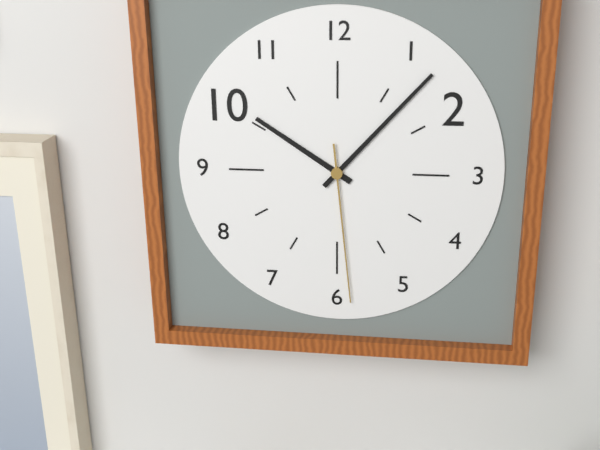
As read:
**10:07:29**
